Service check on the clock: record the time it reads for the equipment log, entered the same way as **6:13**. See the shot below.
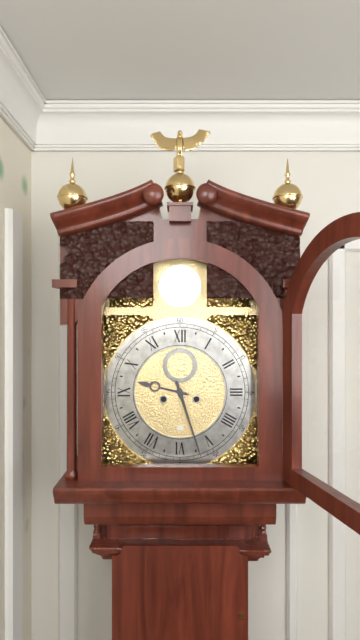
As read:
**9:27**
